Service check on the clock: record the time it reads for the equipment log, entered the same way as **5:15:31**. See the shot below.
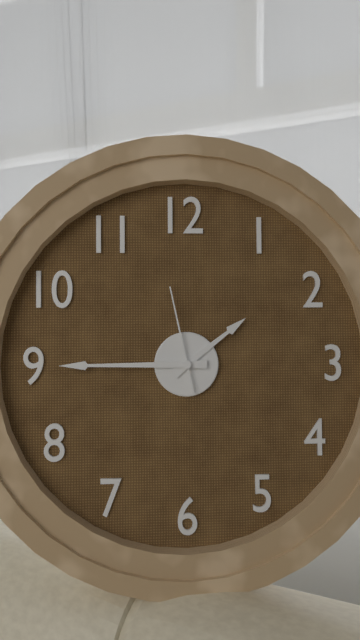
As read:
**1:45:58**
